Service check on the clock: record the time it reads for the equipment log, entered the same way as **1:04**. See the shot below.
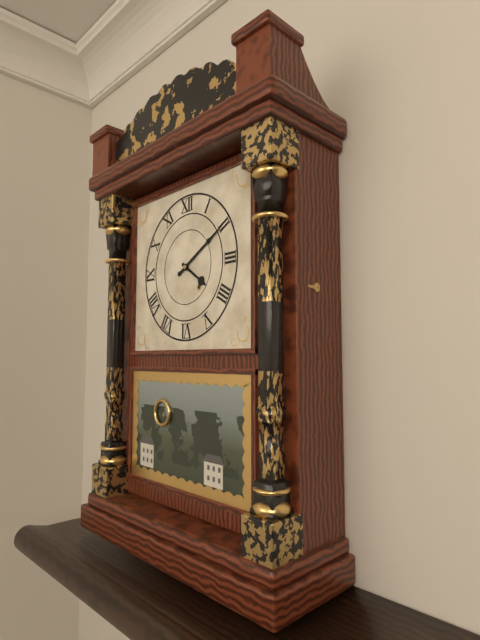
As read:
**4:10**
